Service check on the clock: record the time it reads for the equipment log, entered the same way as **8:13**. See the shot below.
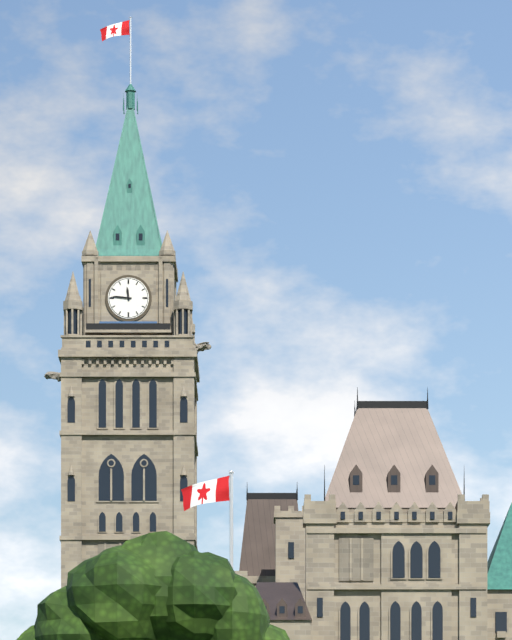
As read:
**11:46**
